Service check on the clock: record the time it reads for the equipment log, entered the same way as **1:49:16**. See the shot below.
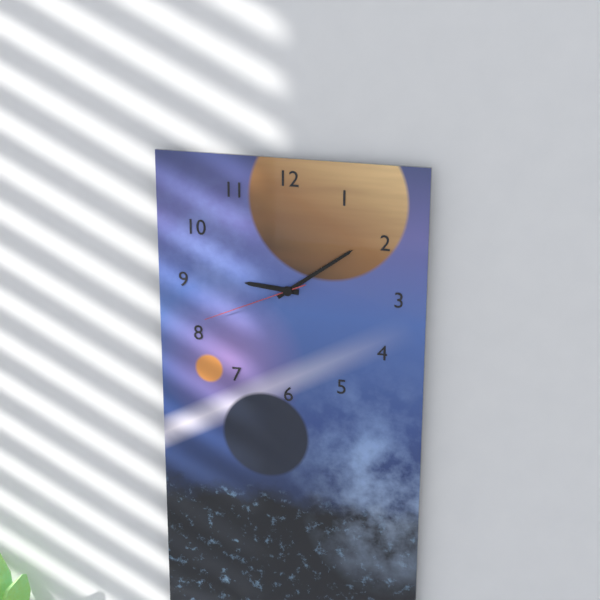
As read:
**9:09:41**
